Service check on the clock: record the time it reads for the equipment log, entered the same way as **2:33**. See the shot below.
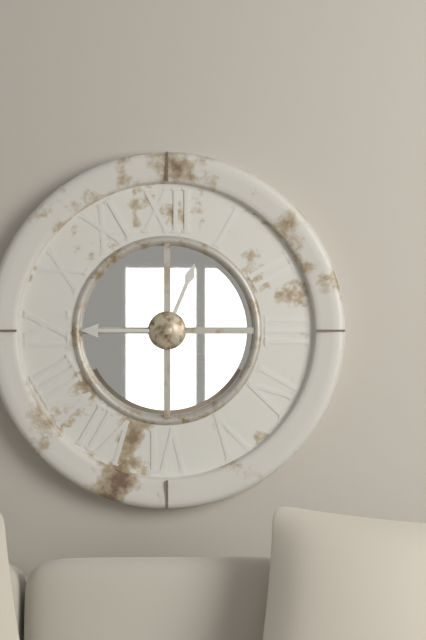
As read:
**12:45**
